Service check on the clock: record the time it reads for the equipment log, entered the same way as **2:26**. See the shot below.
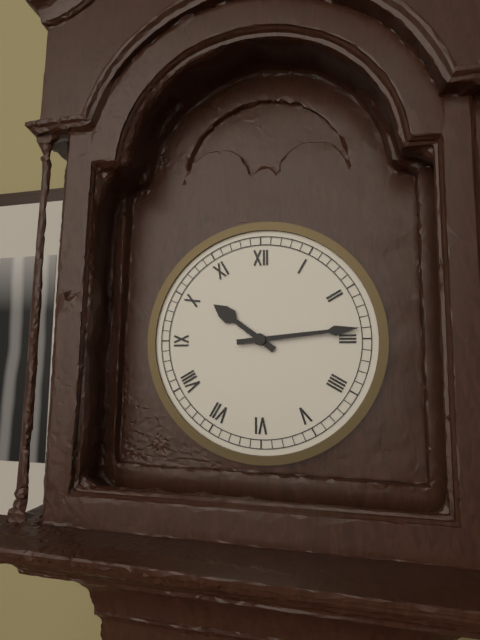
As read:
**10:14**
